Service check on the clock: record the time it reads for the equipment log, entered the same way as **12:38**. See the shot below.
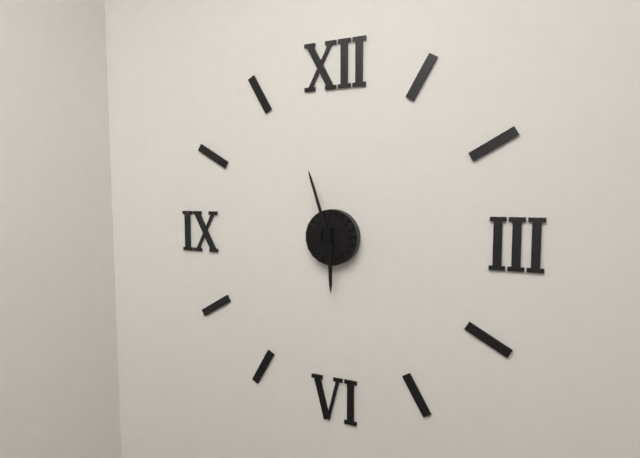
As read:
**5:57**
